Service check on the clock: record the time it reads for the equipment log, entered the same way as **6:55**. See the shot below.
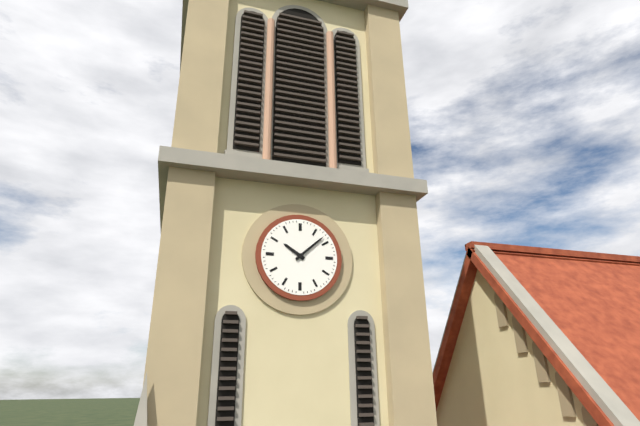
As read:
**10:08**
